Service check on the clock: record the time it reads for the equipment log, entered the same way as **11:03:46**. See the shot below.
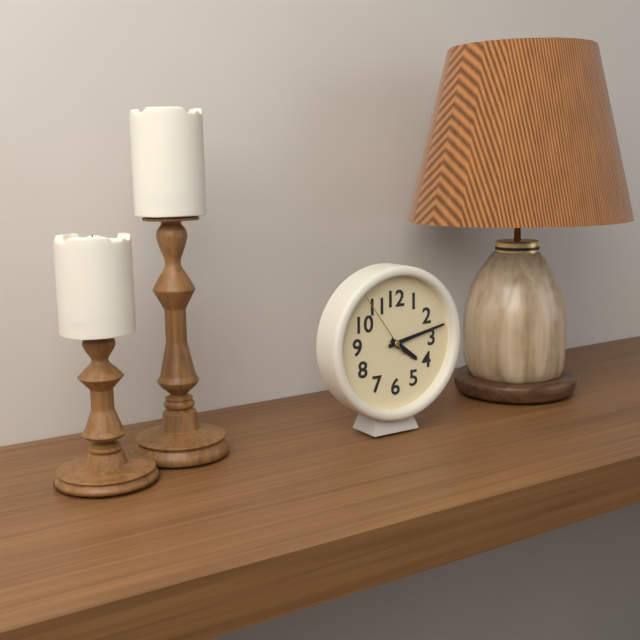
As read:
**4:13:54**
